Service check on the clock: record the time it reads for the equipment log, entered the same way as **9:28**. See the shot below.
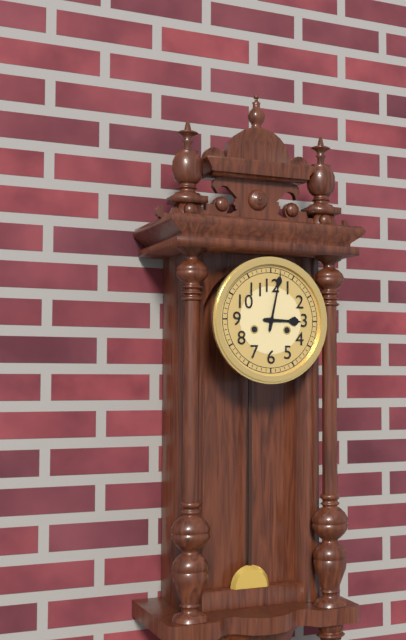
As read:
**3:02**
